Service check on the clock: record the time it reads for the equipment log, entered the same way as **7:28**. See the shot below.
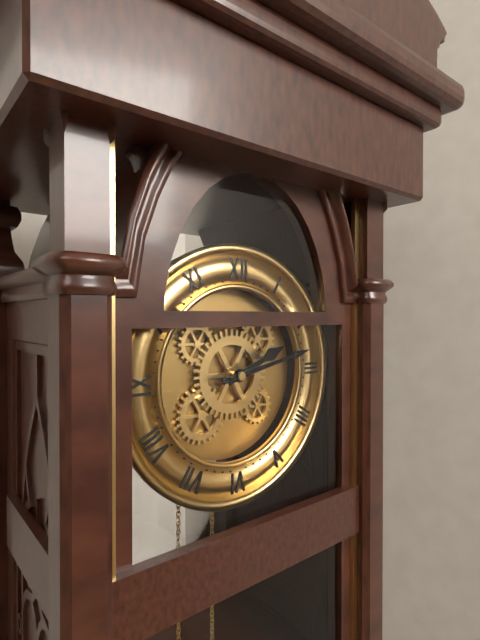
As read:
**2:13**
